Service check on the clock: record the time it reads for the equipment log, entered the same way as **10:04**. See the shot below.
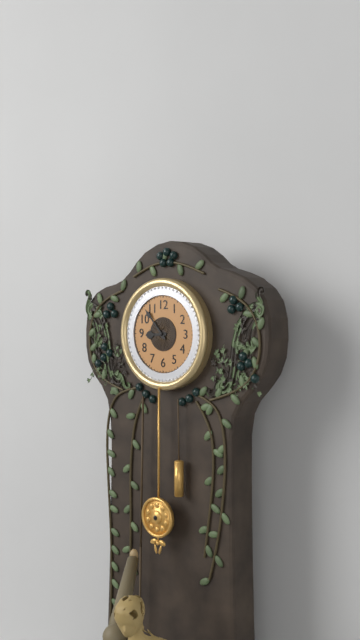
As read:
**8:53**
